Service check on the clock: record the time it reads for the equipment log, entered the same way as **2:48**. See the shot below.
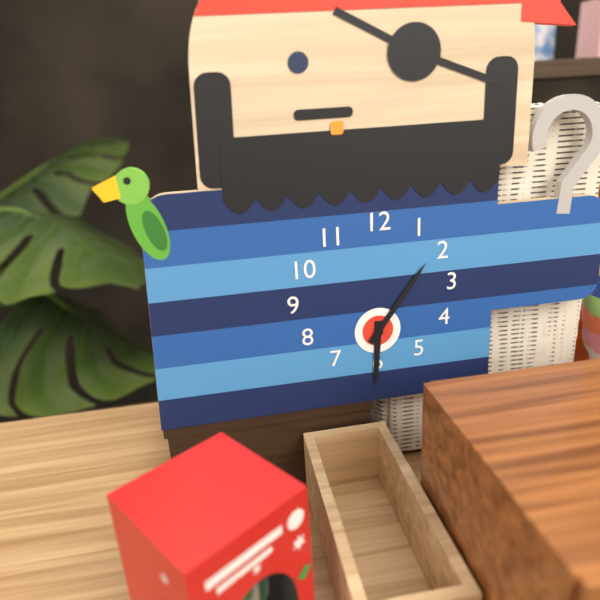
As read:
**6:06**
